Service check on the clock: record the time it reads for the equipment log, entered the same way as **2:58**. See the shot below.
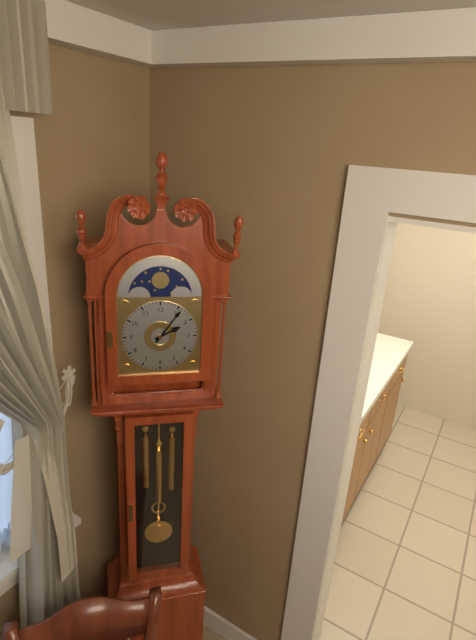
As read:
**2:06**
